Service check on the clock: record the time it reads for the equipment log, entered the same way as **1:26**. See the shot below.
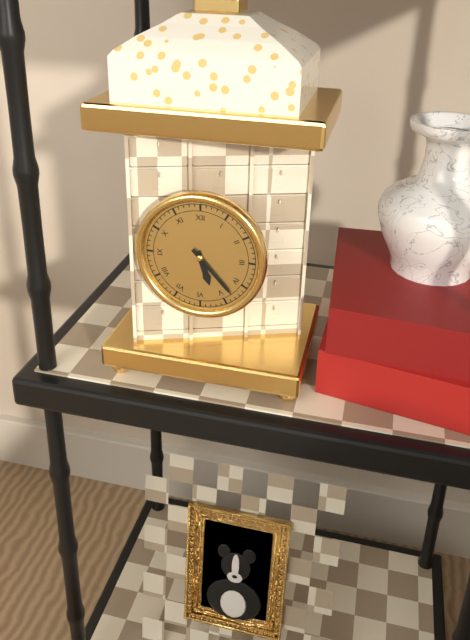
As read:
**5:23**
